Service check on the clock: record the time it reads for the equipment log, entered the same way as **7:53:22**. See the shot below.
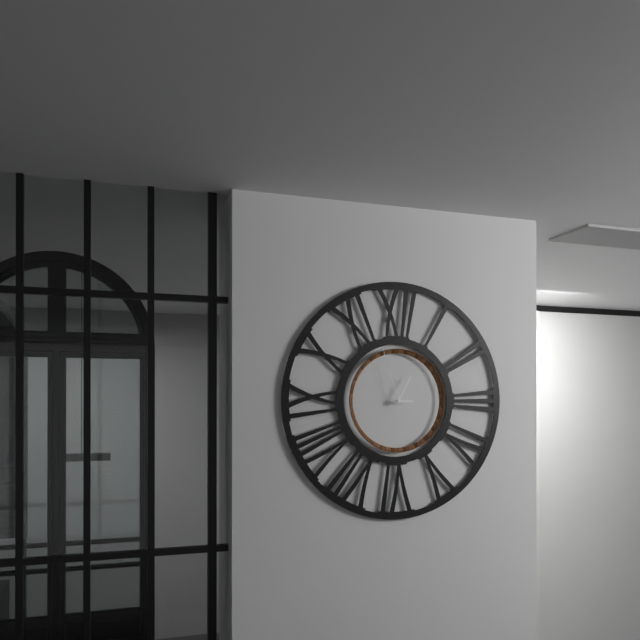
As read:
**3:05:57**
